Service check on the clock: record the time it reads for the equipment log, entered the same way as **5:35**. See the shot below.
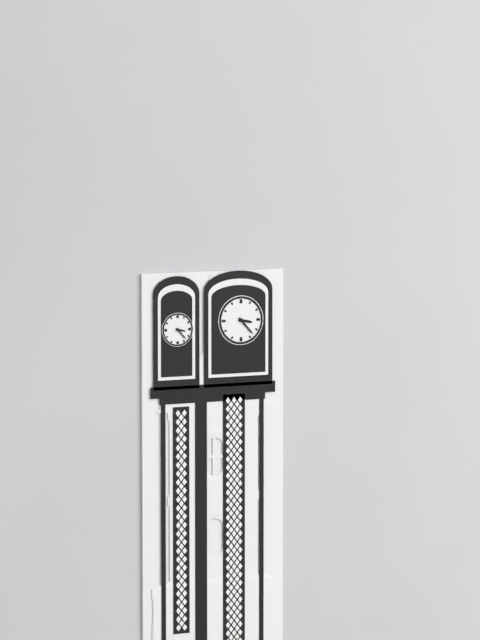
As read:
**3:23**
